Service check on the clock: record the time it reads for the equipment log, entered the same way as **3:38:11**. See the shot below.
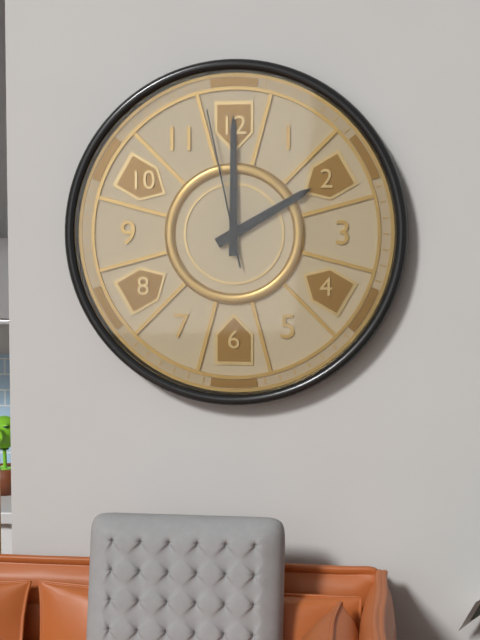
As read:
**2:00:58**
